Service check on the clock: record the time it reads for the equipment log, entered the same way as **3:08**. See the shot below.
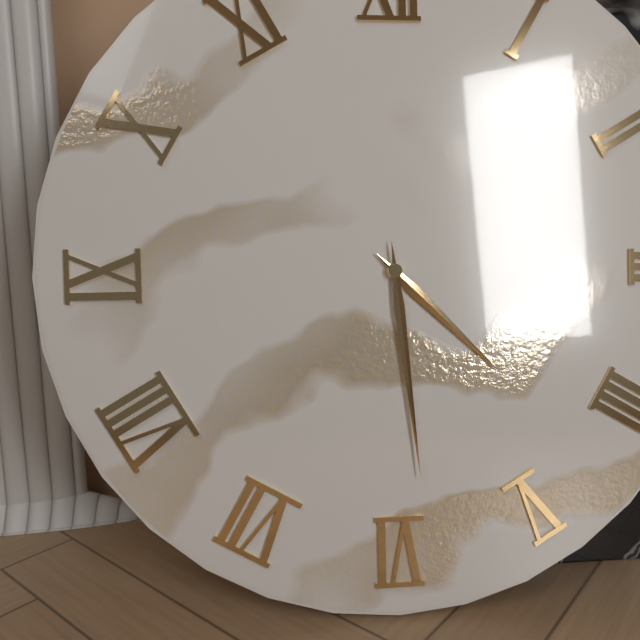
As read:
**4:29**
